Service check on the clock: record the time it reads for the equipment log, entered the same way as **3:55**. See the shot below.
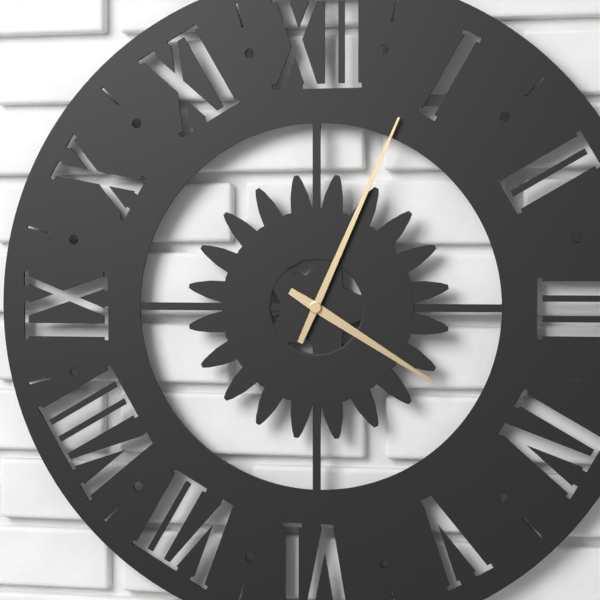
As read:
**4:04**
